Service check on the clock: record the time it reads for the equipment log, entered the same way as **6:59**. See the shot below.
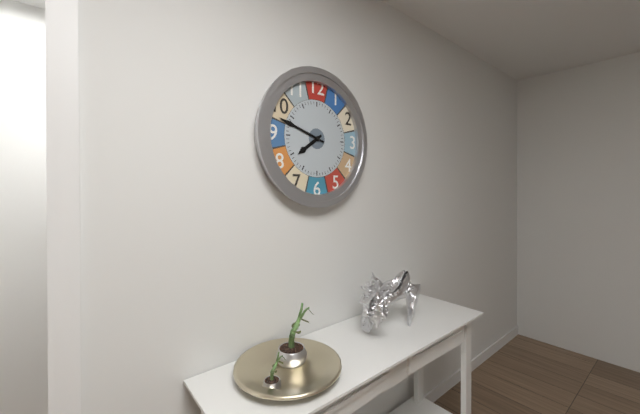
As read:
**7:48**
